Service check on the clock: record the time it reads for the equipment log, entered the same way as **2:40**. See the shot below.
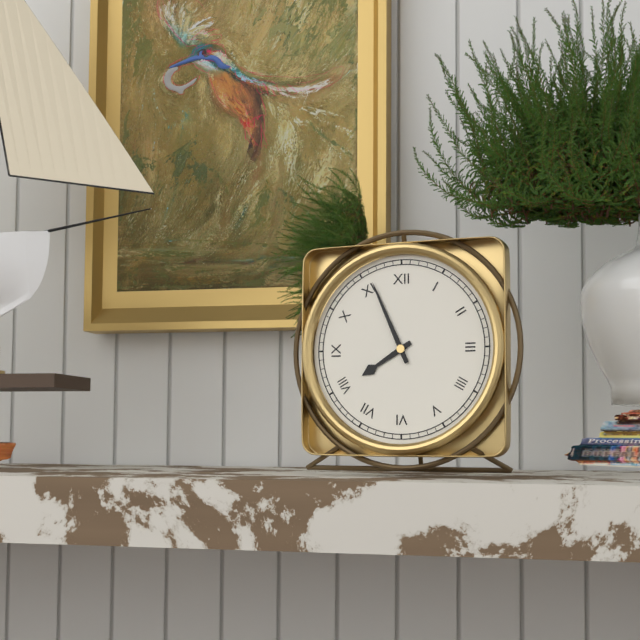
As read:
**7:56**
